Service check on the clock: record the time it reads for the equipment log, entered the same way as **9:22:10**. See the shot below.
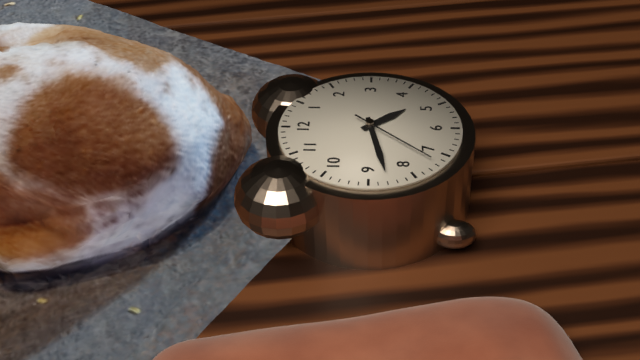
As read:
**4:43:37**
